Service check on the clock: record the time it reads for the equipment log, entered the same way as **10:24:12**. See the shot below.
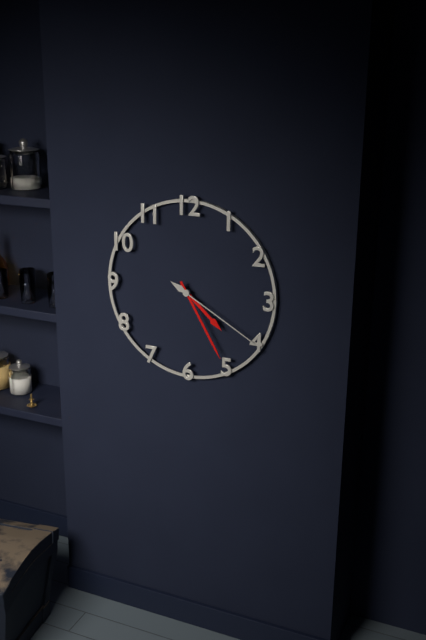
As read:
**4:25:20**
